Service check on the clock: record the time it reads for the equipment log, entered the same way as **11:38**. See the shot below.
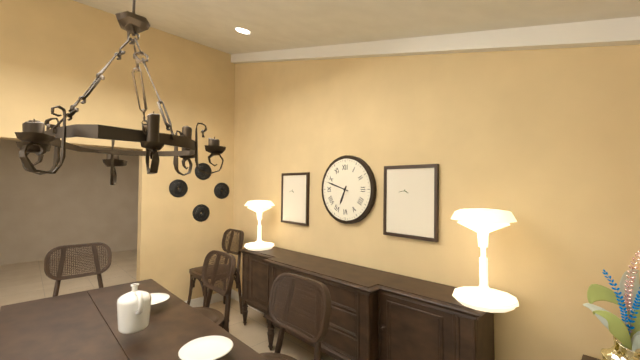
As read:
**6:48**
